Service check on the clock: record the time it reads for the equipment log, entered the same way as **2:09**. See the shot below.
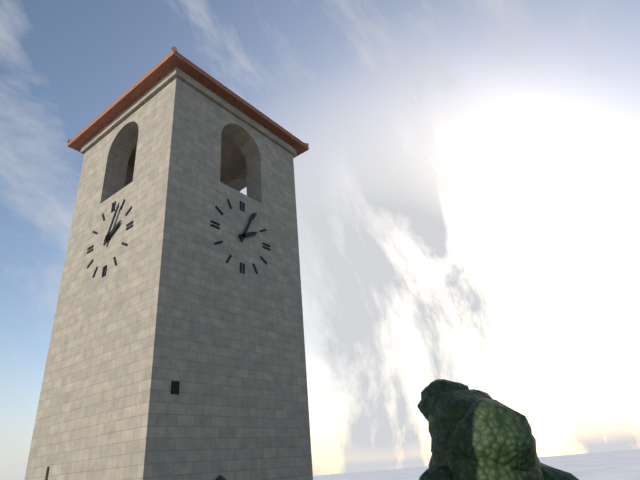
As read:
**2:04**
